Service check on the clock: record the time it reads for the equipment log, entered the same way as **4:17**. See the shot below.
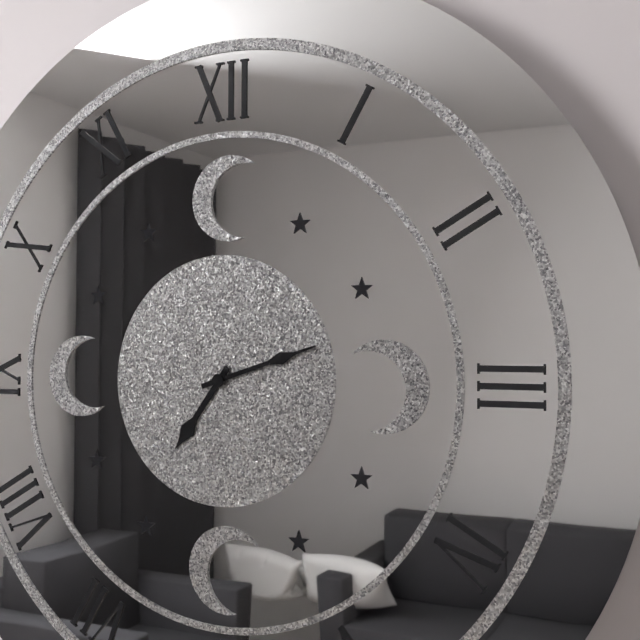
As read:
**7:12**
